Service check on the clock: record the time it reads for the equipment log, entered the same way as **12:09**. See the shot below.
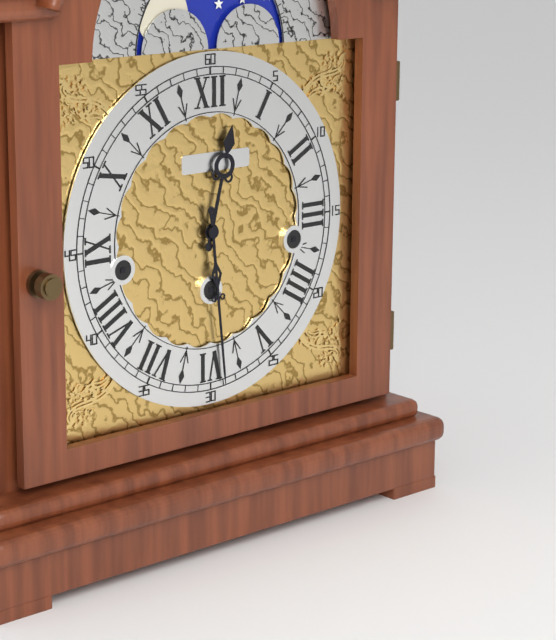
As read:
**12:29**
